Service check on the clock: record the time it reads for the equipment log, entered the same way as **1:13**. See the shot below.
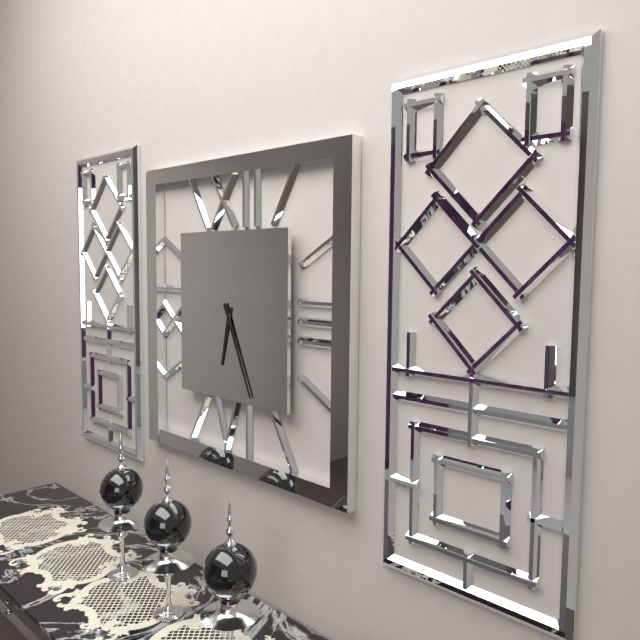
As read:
**6:26**
